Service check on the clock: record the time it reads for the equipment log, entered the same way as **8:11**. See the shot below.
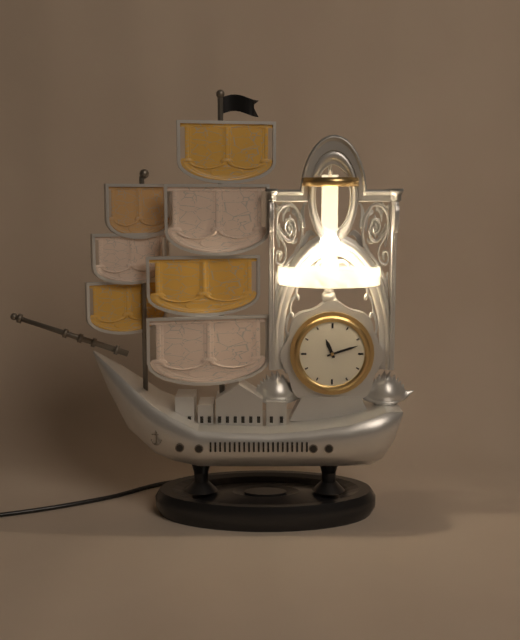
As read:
**11:12**
